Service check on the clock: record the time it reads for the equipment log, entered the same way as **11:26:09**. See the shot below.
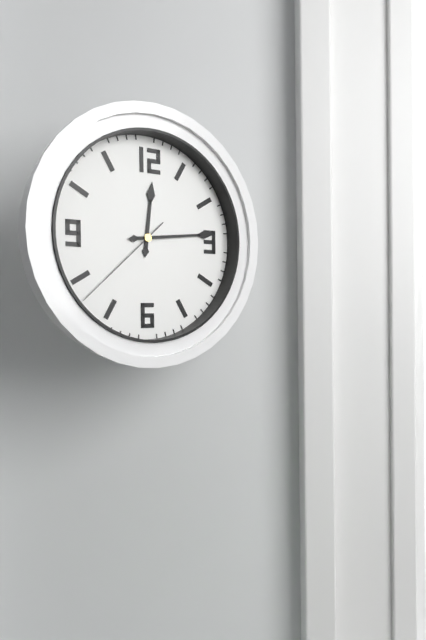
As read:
**12:14:38**
